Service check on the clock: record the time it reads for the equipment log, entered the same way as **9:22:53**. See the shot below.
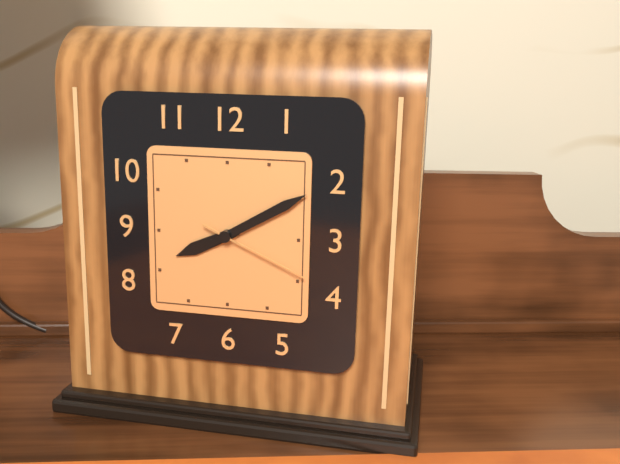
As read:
**8:10:19**
